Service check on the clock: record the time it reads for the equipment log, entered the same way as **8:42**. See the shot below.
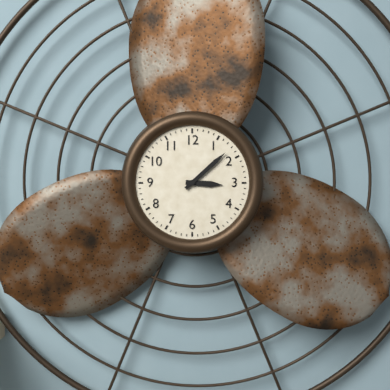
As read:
**3:08**
